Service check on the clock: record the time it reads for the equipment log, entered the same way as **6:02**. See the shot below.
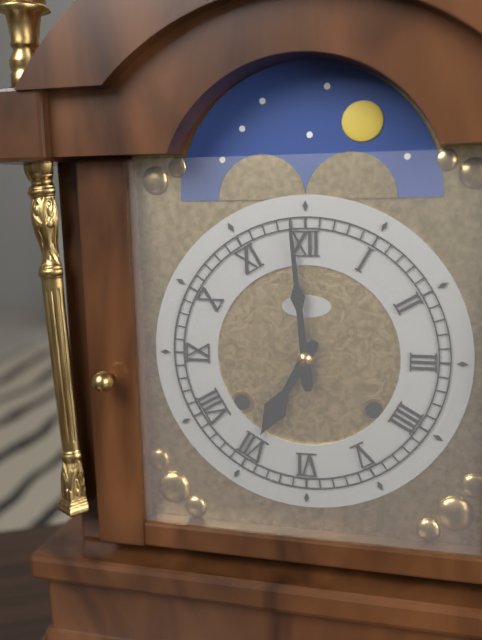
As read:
**6:59**
